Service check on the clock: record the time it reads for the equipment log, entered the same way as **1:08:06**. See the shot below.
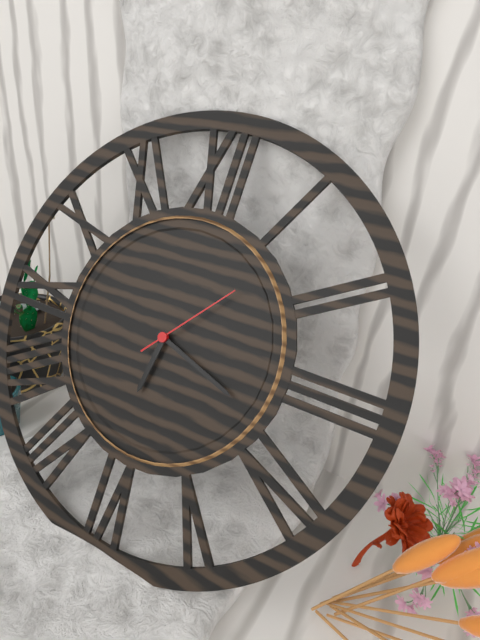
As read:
**6:18:07**
